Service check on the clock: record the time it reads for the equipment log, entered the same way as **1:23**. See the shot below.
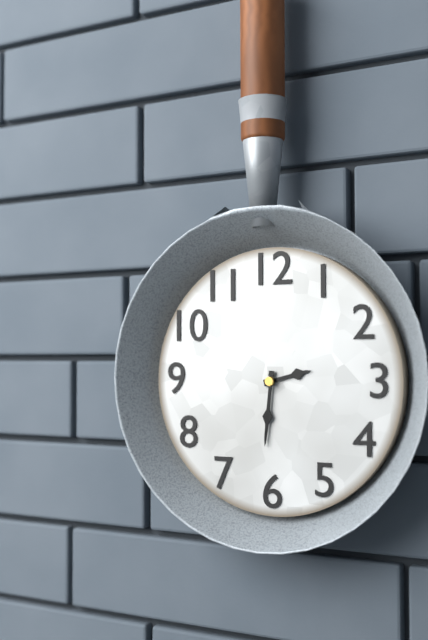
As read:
**2:31**
